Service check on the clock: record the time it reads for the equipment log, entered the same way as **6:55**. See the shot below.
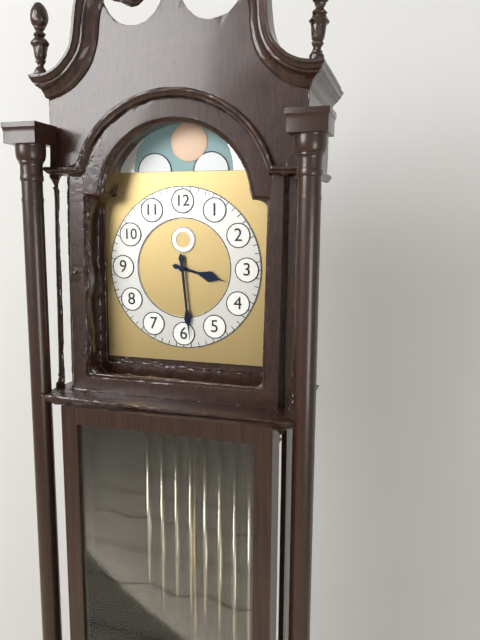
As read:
**3:29**
